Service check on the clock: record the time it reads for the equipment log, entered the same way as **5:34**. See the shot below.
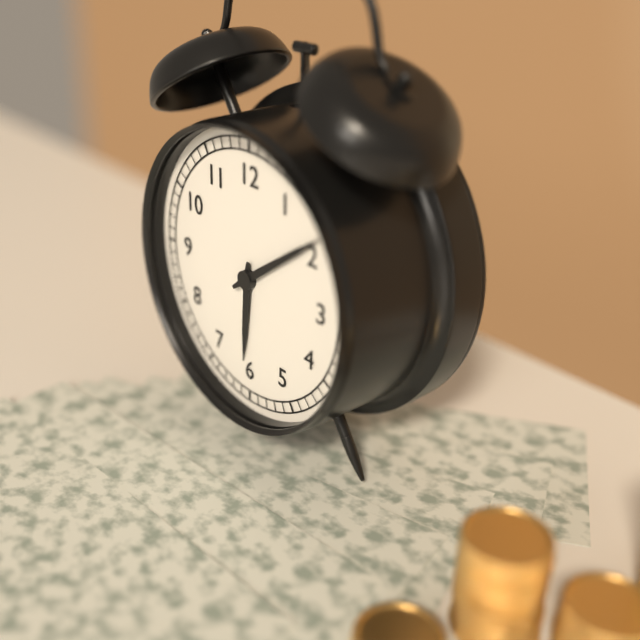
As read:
**6:09**
